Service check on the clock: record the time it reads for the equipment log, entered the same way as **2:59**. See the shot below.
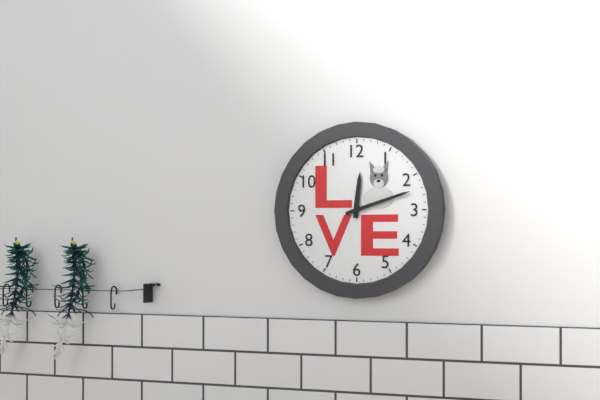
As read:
**12:12**
